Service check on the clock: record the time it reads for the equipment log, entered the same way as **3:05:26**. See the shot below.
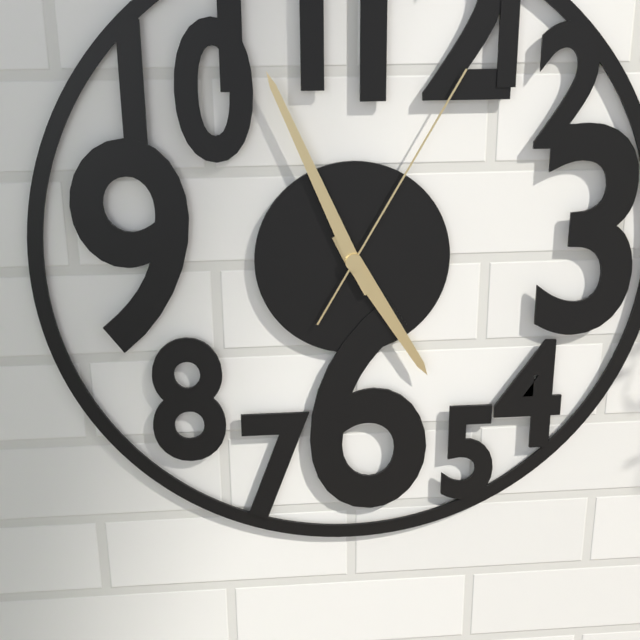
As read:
**4:56:05**
